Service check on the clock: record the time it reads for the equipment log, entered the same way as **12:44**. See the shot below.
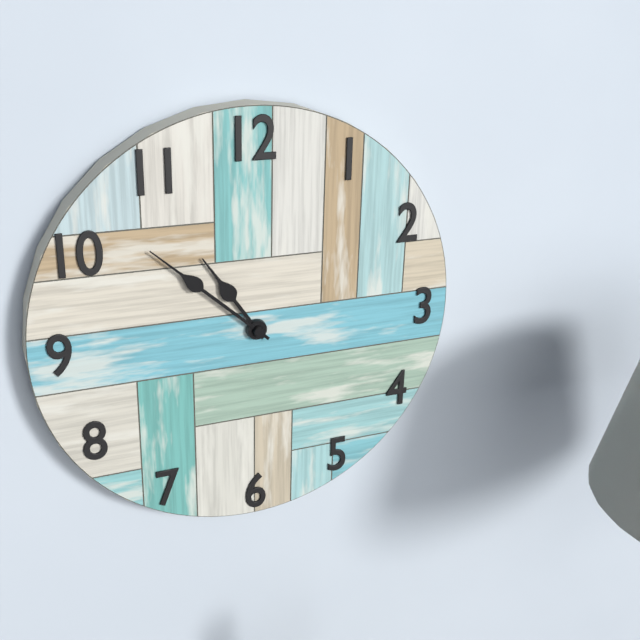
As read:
**10:52**
